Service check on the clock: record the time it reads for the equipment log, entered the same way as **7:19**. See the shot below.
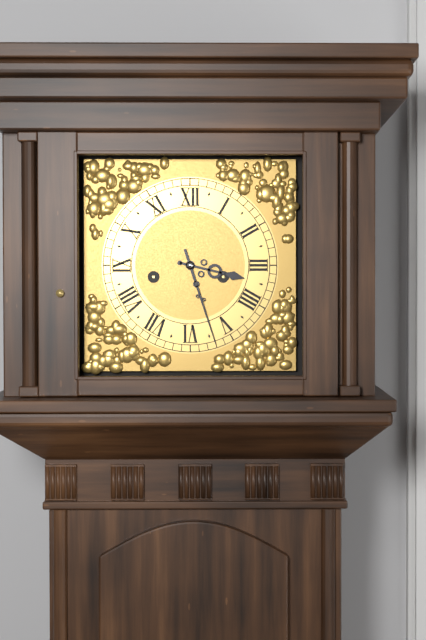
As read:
**3:27**
